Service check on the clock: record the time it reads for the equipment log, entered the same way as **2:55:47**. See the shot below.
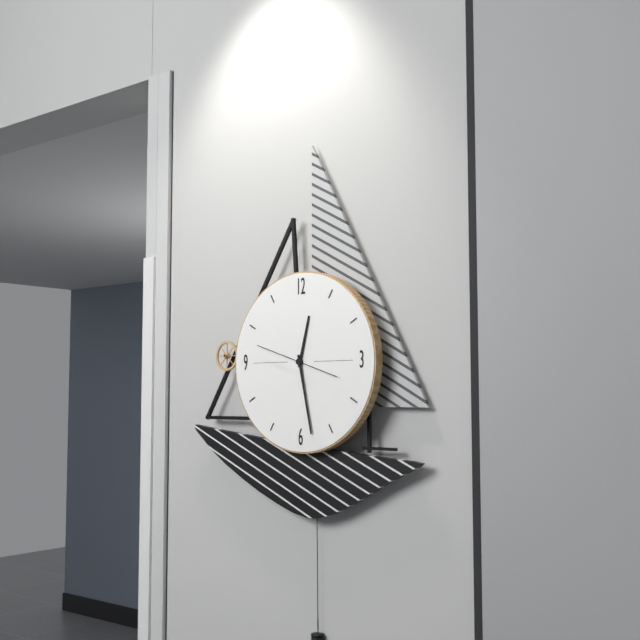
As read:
**12:28:48**
